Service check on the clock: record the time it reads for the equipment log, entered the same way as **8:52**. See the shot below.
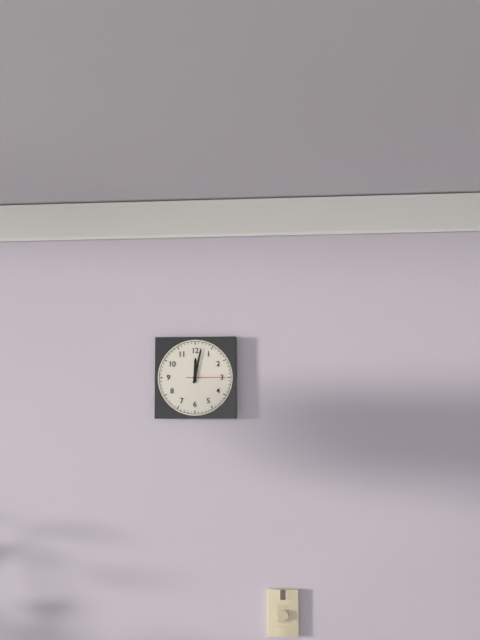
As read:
**12:02**
